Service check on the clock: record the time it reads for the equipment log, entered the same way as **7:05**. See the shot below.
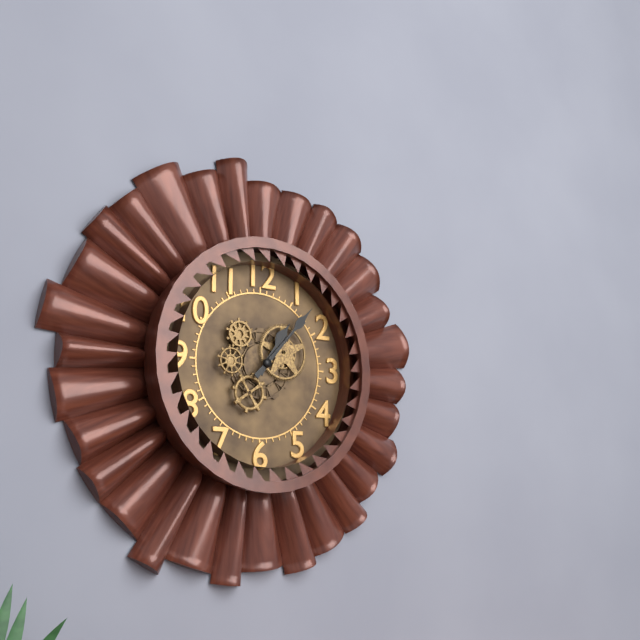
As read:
**1:07**
